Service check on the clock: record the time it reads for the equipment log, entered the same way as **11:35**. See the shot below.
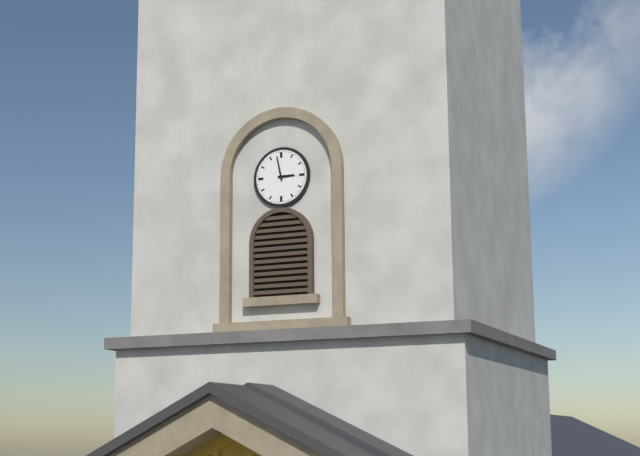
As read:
**2:58**
